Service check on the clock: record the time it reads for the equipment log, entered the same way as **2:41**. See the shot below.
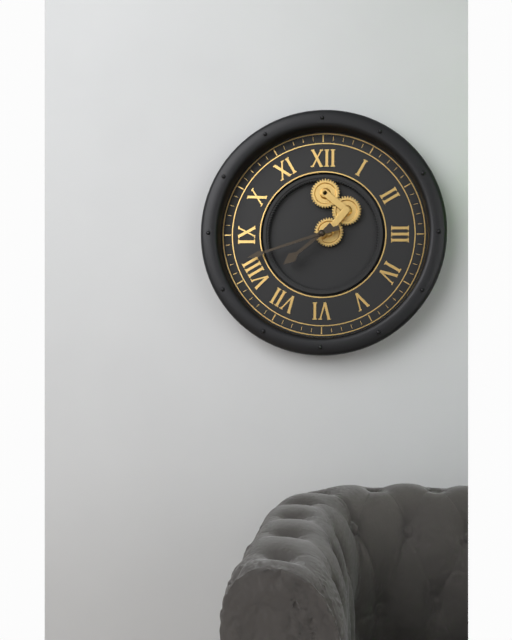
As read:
**7:42**
